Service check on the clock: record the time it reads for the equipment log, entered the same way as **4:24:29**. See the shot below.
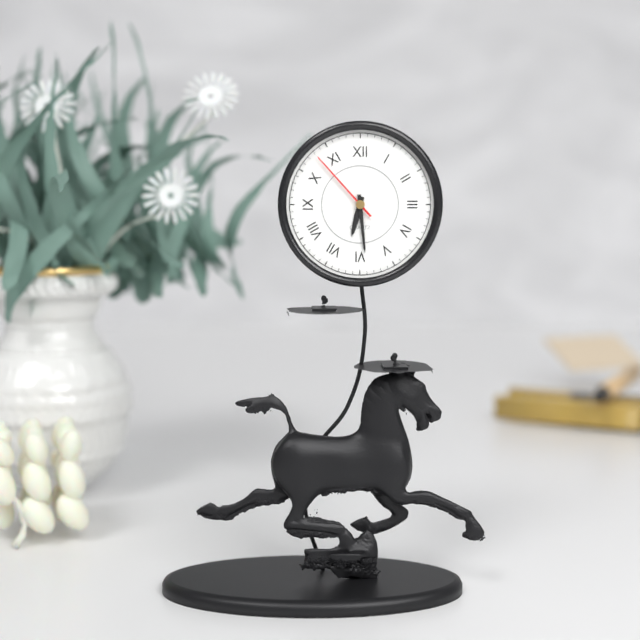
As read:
**6:29:53**
